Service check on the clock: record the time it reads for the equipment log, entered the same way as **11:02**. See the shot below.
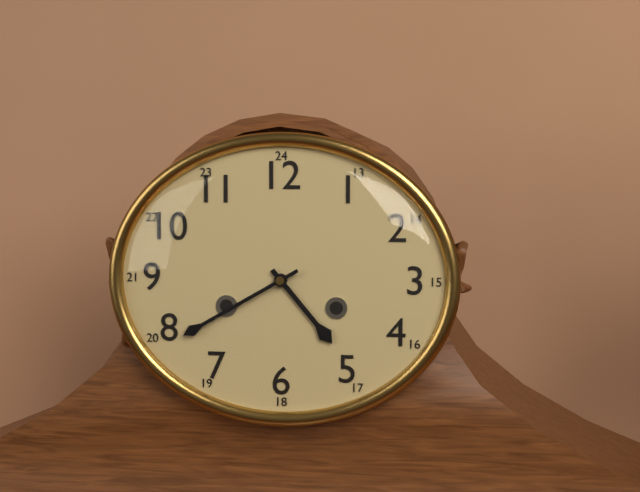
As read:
**4:40**
